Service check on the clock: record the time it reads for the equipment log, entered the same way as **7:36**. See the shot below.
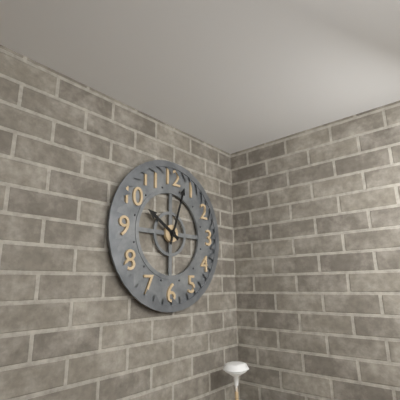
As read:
**10:03**
